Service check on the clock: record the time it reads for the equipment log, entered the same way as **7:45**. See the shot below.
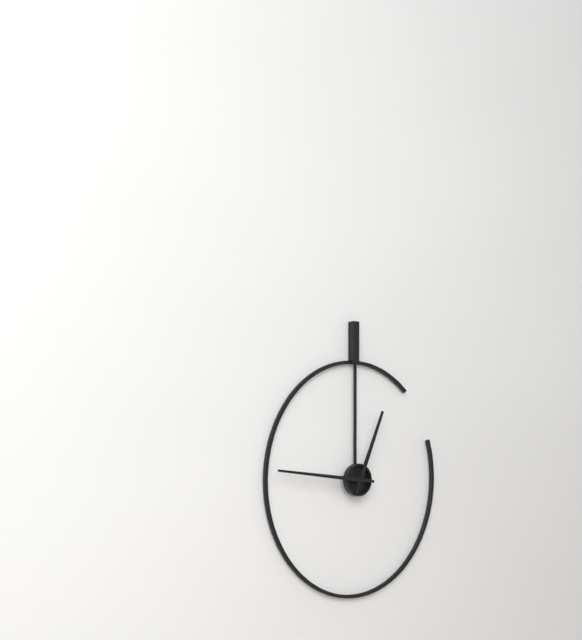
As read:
**12:46**
